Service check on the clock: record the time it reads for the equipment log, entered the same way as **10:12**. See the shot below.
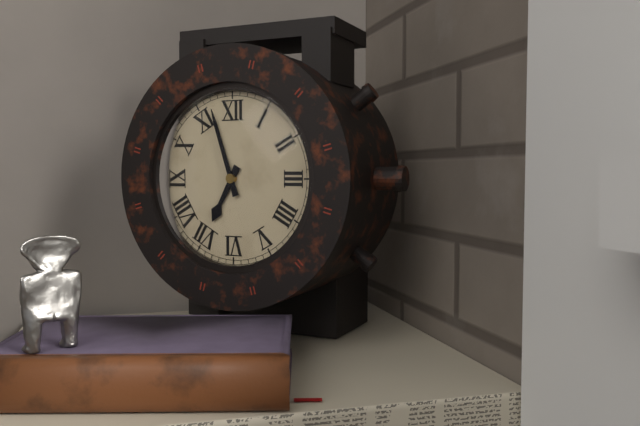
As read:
**6:57**
